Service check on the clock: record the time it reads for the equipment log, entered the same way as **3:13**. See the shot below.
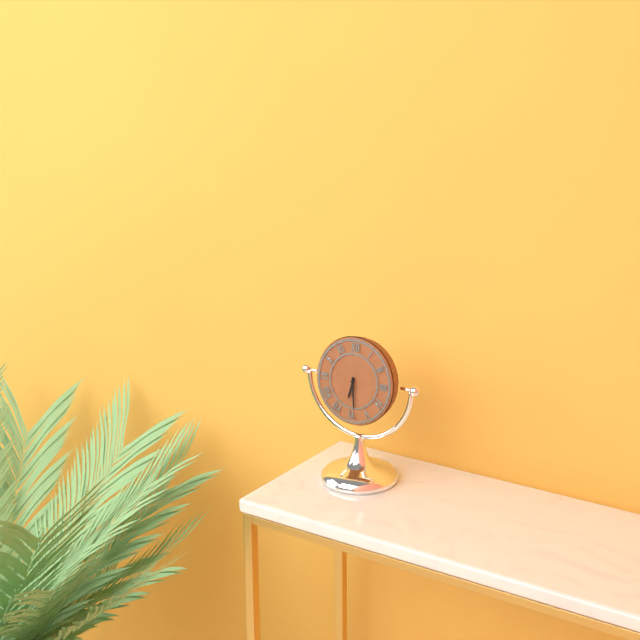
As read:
**6:29**
